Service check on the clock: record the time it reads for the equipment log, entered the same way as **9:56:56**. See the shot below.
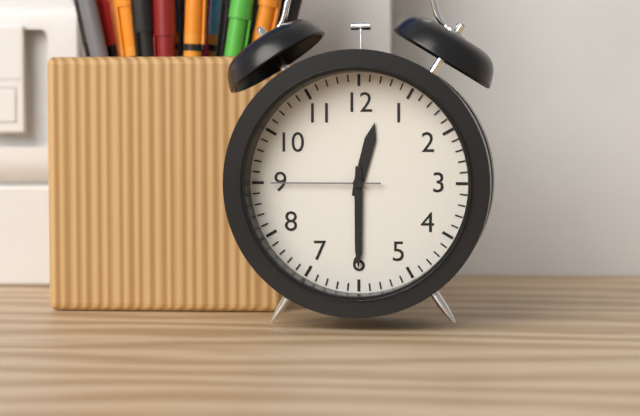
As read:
**12:30:45**
